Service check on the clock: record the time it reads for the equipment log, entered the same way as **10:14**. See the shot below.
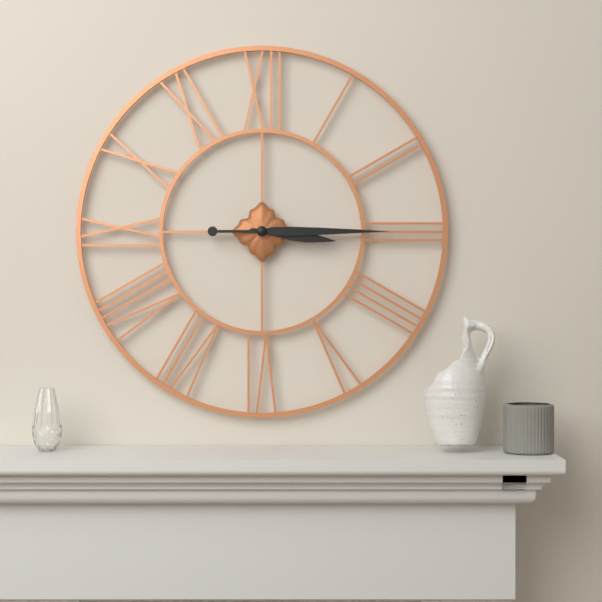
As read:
**3:15**
